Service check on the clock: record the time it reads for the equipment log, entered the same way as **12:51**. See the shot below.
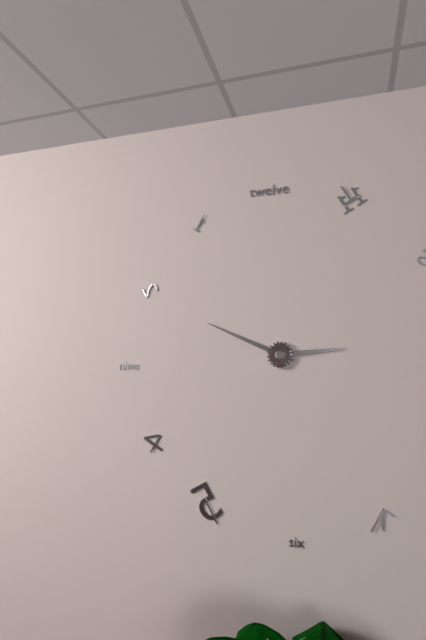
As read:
**2:49**
